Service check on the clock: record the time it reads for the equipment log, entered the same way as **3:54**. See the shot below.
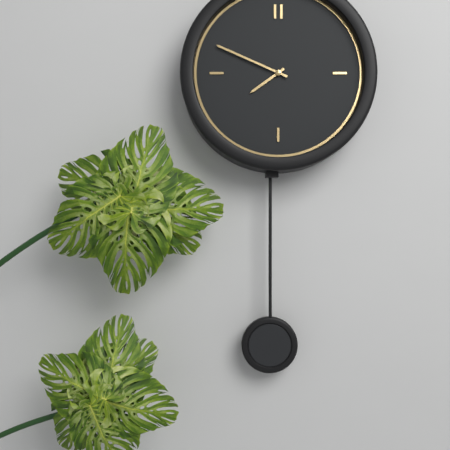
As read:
**7:49**
